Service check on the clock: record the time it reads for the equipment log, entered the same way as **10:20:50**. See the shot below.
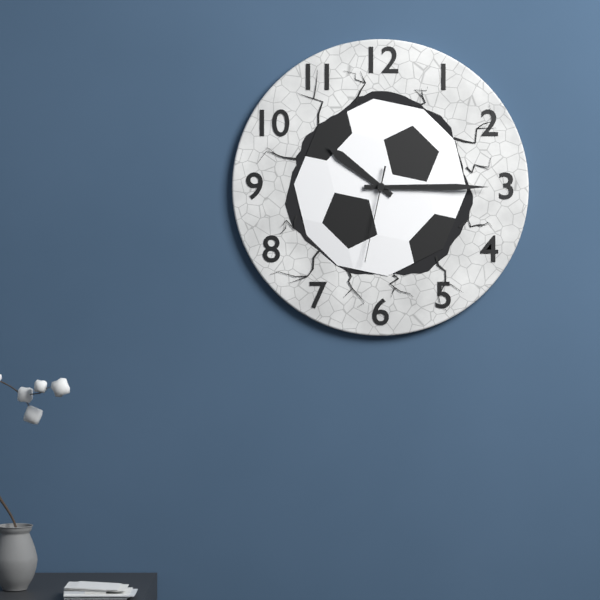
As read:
**10:15:32**
